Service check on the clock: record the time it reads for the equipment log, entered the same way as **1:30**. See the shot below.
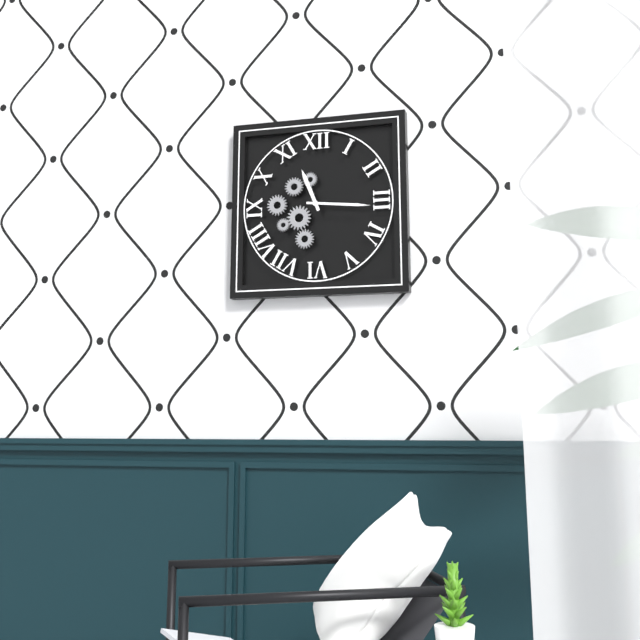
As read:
**11:16**
